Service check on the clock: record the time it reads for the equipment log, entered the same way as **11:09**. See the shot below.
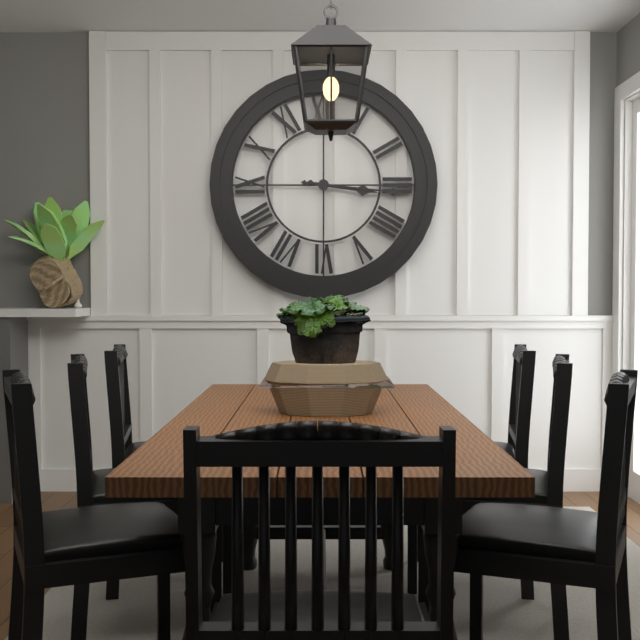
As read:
**3:16**
